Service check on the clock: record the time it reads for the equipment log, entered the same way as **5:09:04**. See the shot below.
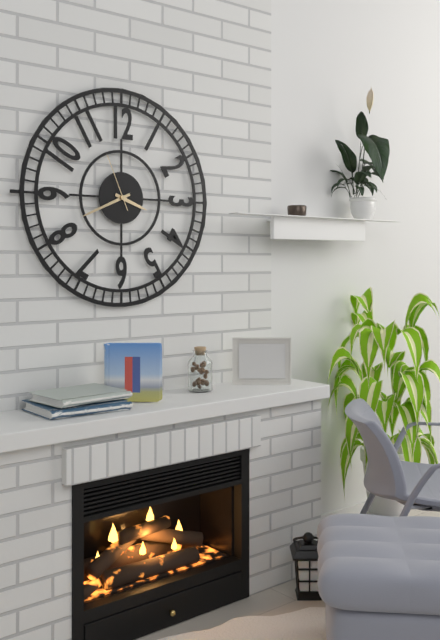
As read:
**3:41:56**
